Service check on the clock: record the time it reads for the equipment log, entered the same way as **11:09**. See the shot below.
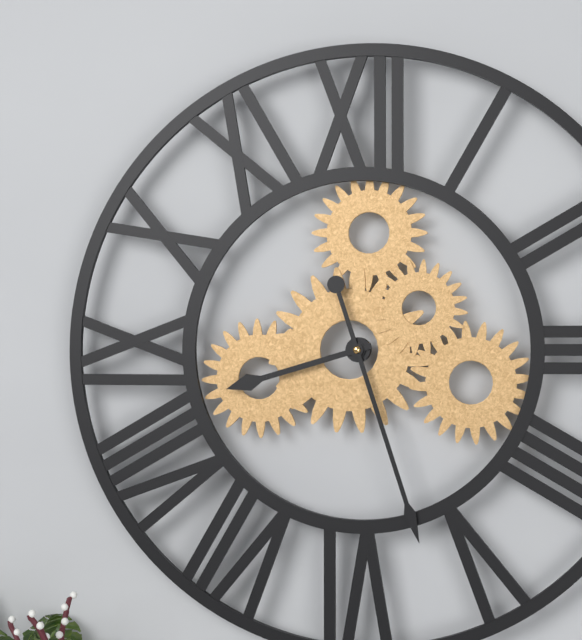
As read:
**8:27**
